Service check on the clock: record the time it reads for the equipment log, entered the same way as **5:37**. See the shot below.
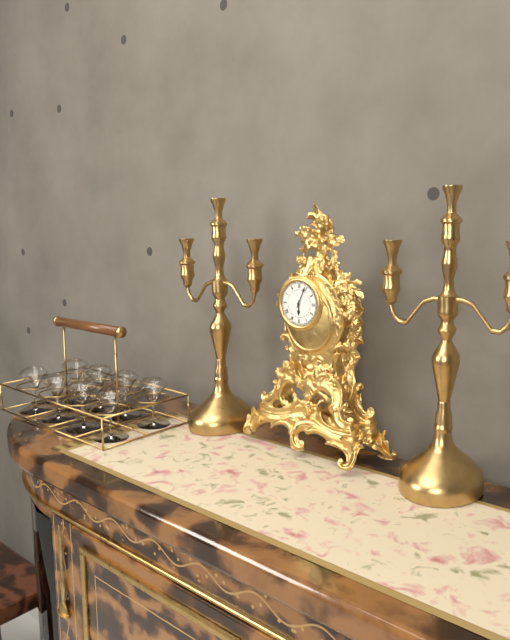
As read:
**6:04**
